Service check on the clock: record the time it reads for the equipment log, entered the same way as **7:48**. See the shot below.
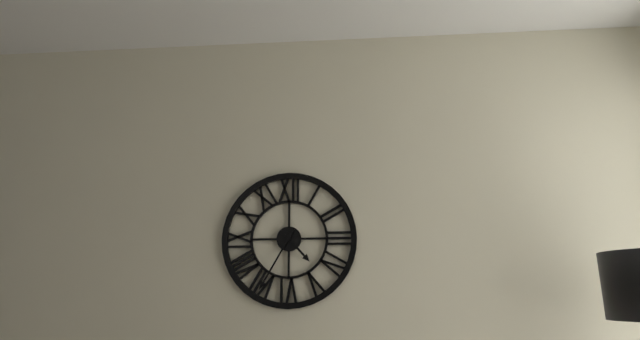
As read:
**4:35**
